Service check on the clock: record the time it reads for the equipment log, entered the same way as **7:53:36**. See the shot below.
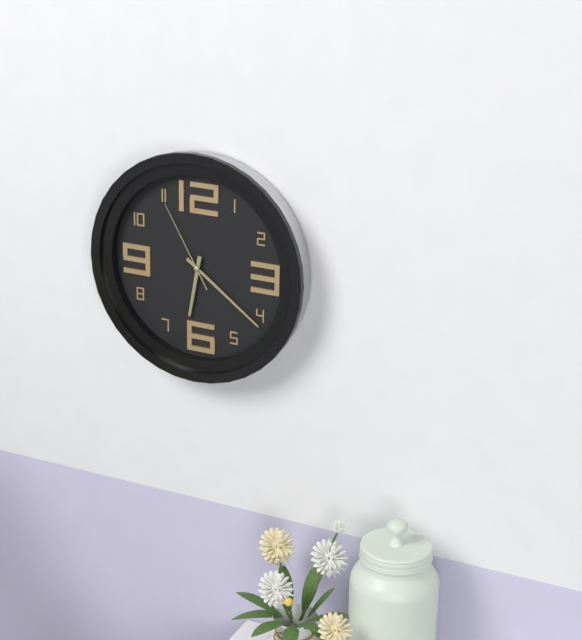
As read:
**6:21:55**
